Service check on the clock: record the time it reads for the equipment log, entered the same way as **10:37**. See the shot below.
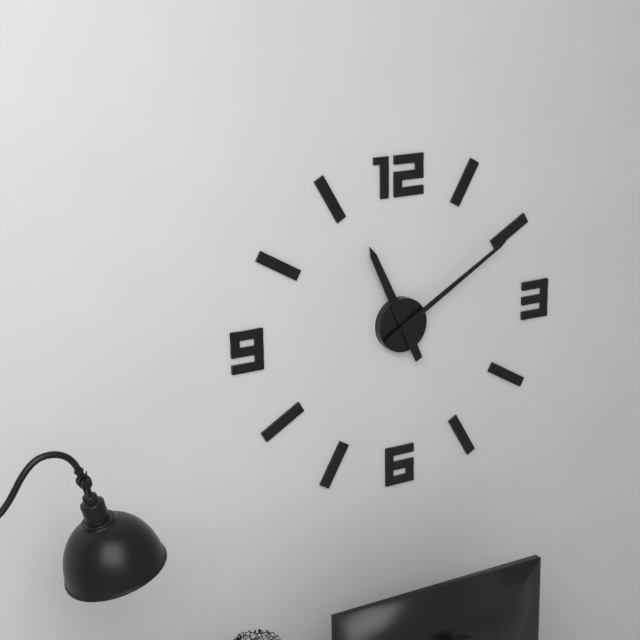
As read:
**11:10**
